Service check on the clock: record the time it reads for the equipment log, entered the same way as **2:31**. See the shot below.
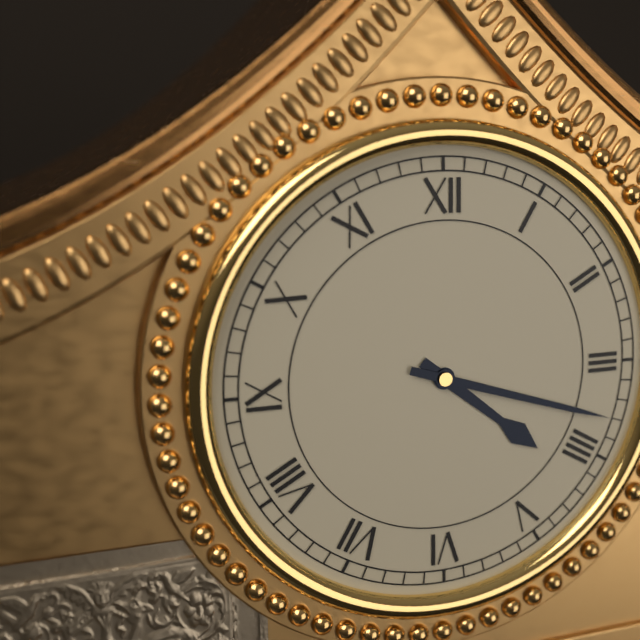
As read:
**4:18**
